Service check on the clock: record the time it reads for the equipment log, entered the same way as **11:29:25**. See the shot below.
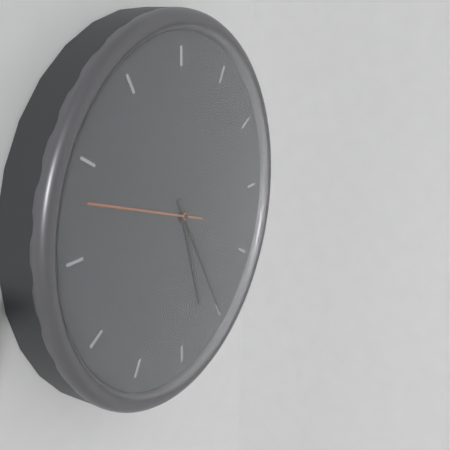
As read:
**5:25:48**
